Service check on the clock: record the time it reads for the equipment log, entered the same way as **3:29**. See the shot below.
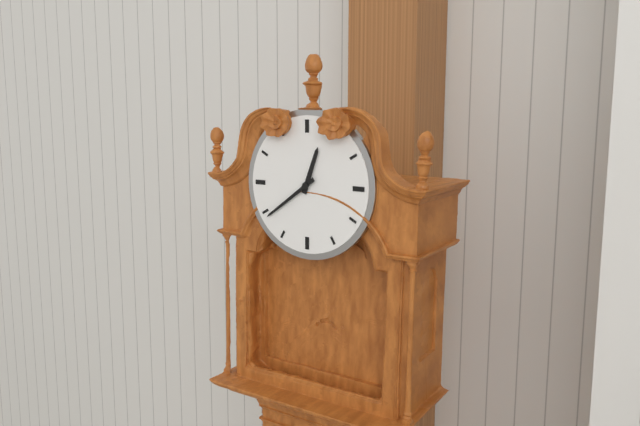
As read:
**12:39**
